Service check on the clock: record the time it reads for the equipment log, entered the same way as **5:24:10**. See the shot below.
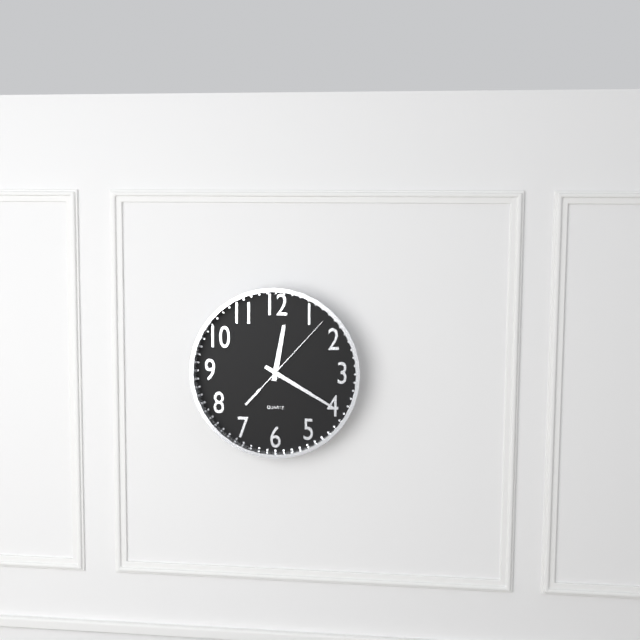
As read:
**12:20:07**
